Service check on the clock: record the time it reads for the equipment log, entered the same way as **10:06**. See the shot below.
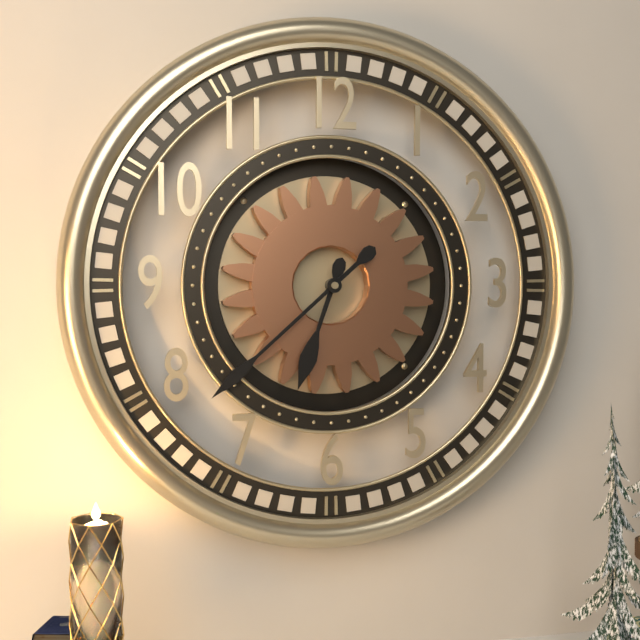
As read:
**6:38**
